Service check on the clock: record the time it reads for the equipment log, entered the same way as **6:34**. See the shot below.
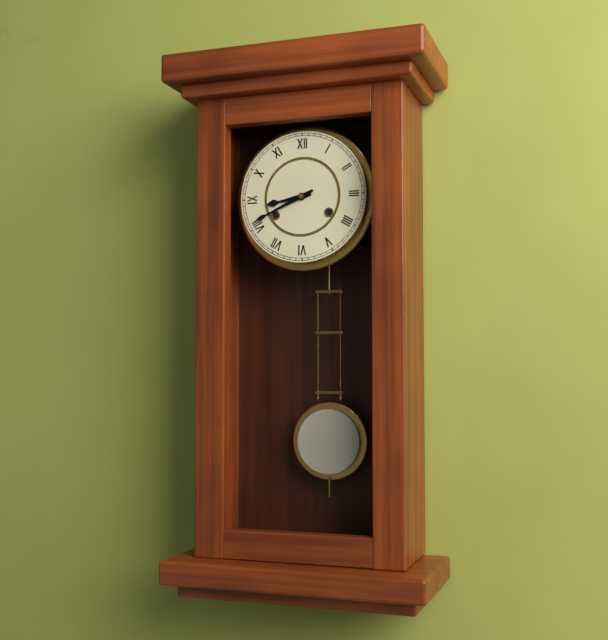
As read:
**8:41**
